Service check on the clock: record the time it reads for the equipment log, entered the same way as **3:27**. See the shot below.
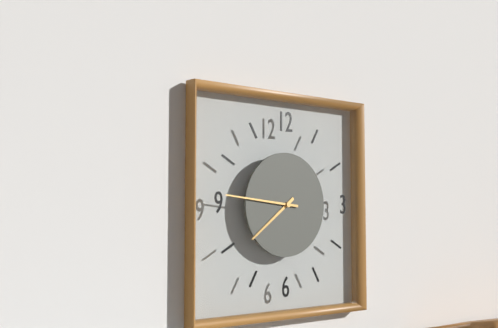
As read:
**7:46**
